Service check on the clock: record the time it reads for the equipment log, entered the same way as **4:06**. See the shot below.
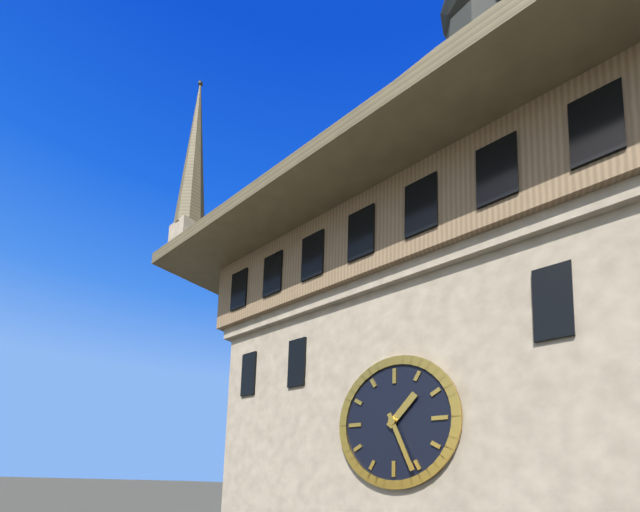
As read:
**1:26**
